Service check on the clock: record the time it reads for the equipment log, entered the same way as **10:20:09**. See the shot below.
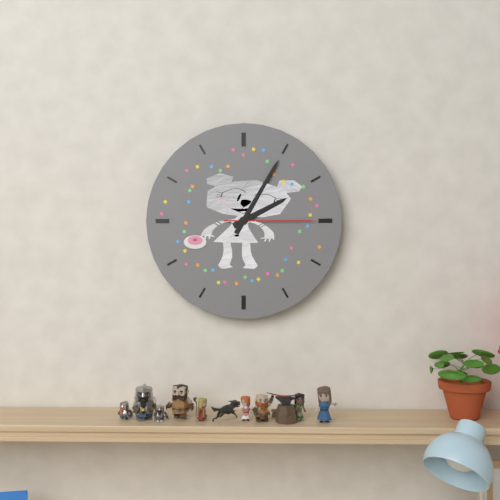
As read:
**2:05:15**
